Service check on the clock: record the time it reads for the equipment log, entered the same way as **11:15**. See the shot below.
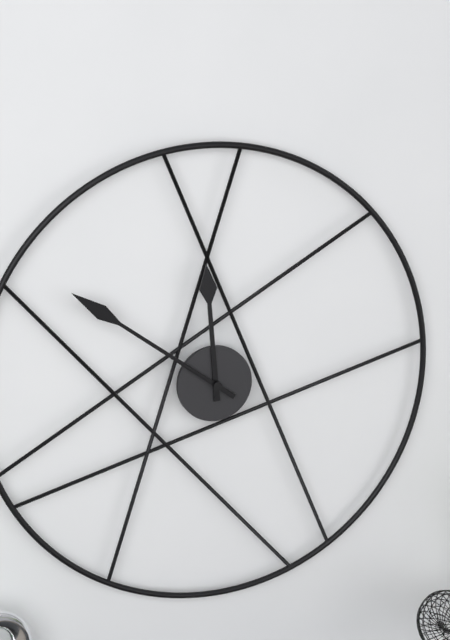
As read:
**11:51**
